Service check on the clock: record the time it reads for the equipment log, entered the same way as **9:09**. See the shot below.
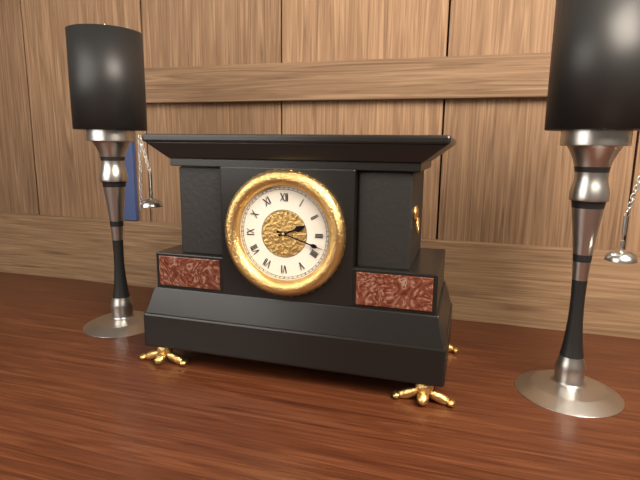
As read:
**2:18**
